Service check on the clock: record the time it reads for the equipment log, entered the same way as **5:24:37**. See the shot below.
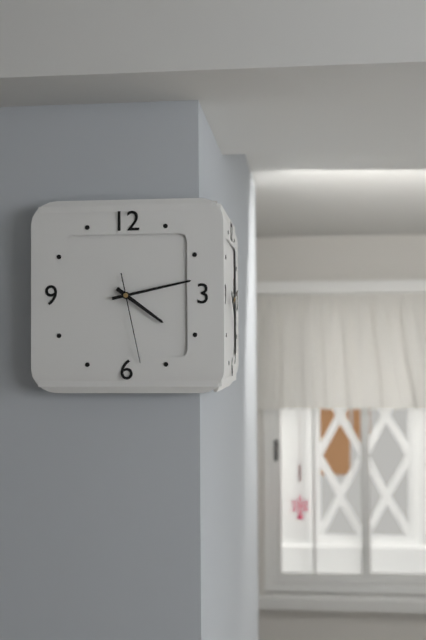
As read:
**4:13:28**
